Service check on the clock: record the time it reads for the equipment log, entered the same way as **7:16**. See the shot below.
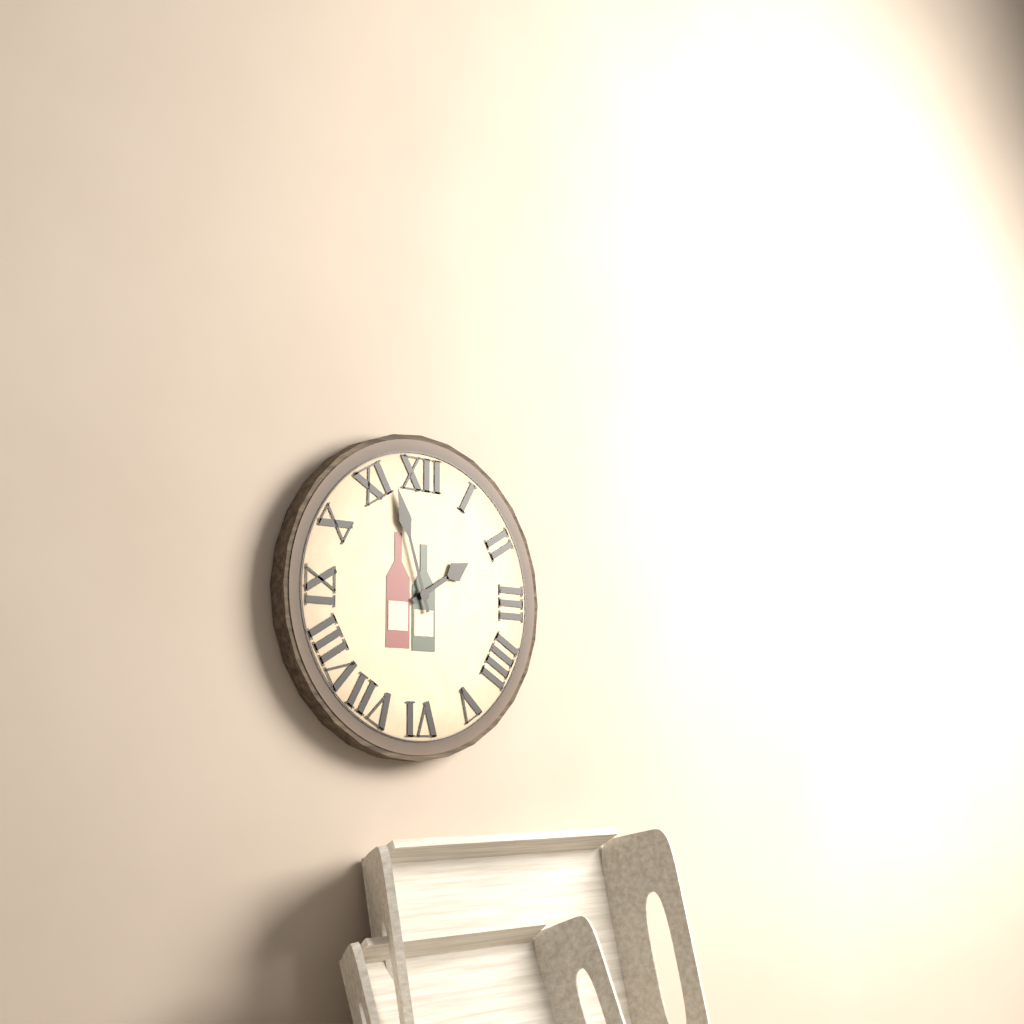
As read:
**1:57**
